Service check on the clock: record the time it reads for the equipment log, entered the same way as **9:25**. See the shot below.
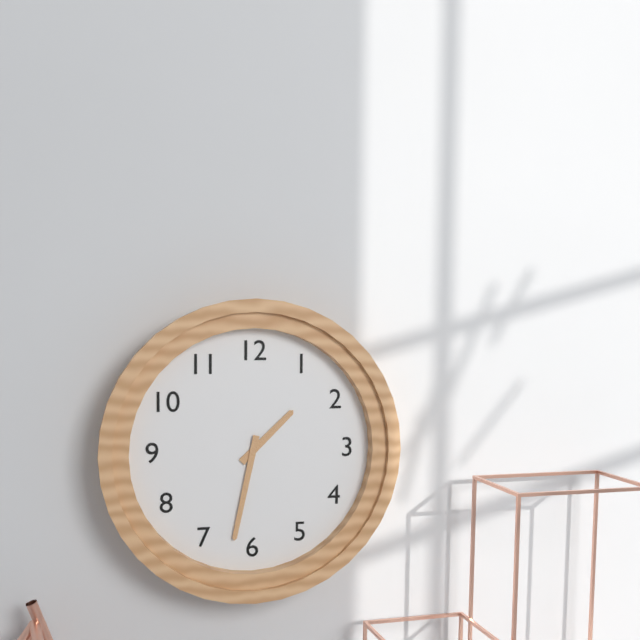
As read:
**1:32**
